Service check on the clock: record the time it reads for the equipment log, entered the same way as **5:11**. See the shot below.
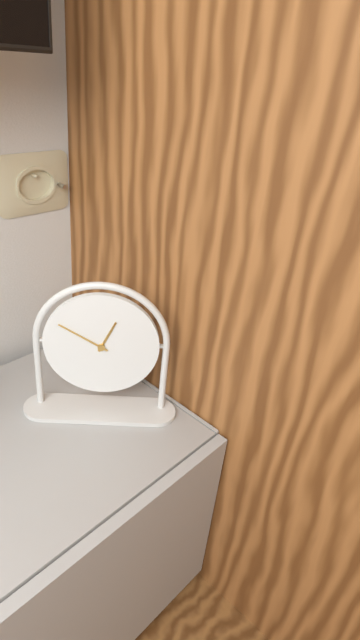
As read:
**12:50**
